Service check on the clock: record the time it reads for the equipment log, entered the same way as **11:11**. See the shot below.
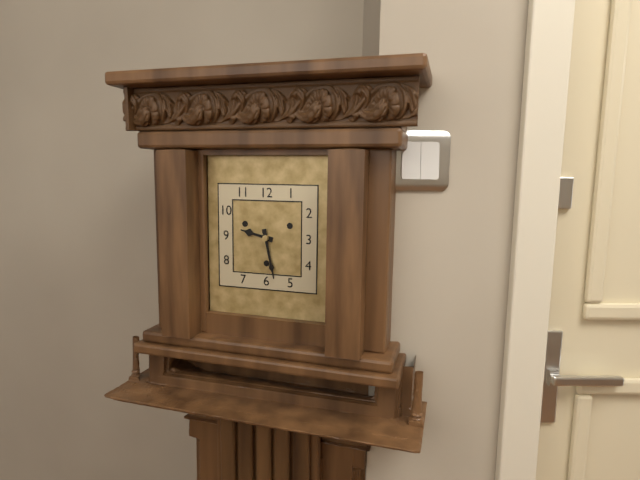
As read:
**9:28**
